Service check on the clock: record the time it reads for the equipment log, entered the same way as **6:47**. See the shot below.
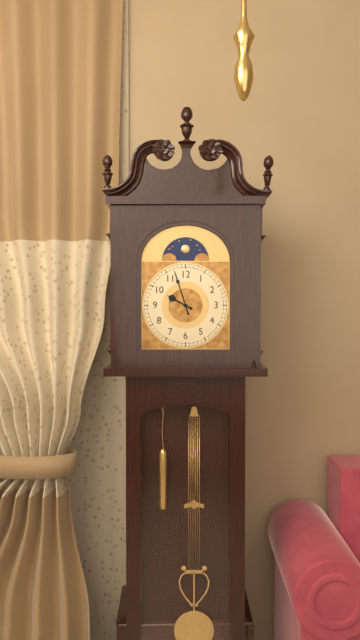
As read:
**9:57**
